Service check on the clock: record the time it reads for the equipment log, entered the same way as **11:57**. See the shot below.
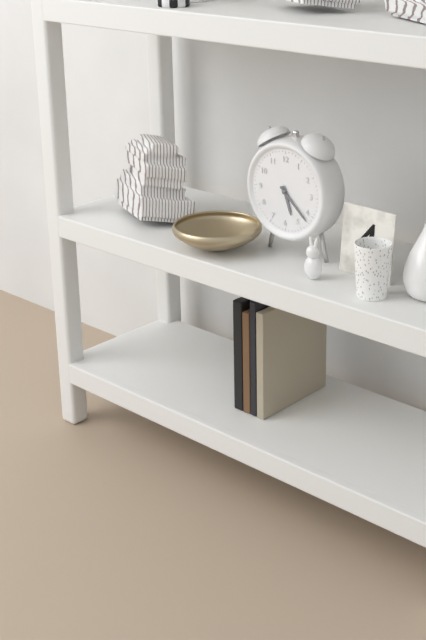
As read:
**5:22**
